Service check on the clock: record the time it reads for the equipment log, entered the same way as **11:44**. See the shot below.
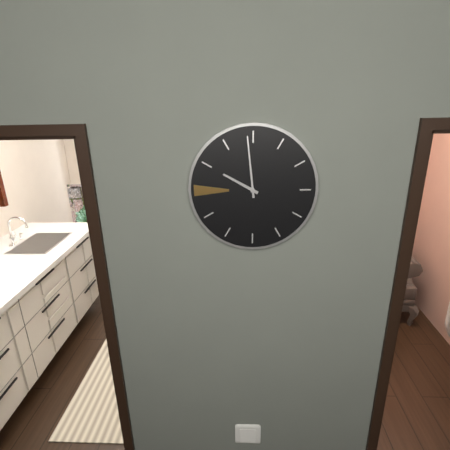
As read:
**9:59**
